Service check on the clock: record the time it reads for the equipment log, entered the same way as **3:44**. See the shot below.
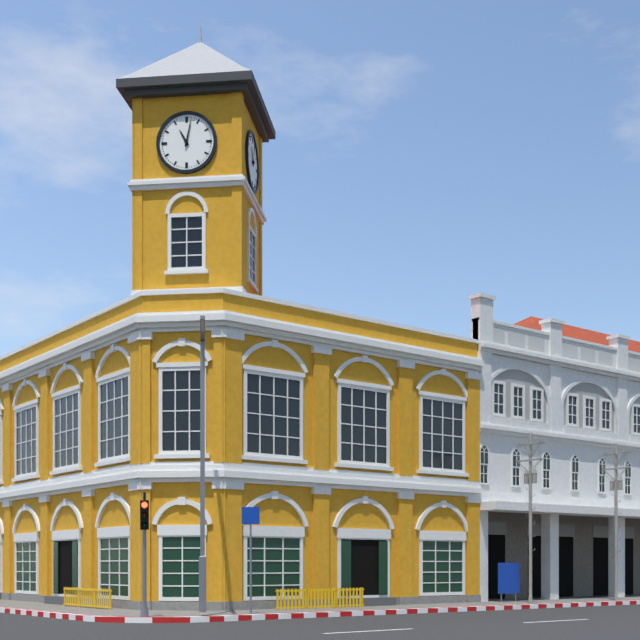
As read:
**11:02**
